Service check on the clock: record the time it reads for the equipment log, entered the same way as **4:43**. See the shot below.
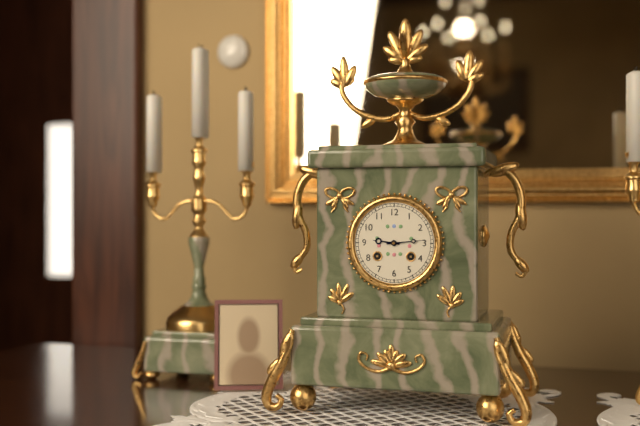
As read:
**9:14**
